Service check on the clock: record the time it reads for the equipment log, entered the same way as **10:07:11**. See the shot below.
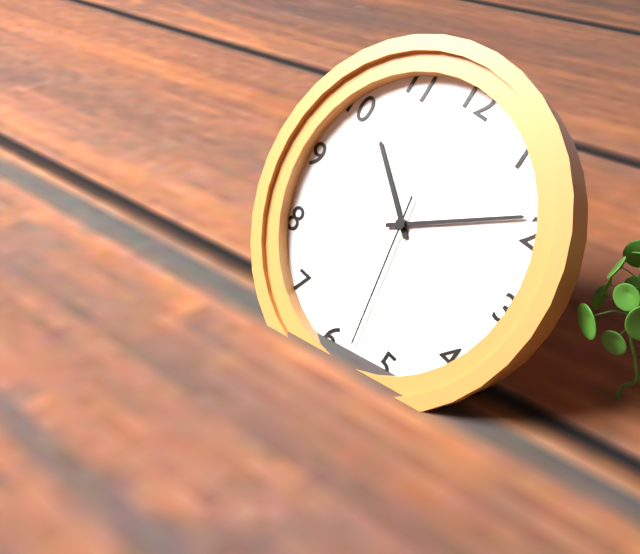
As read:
**10:09:28**
